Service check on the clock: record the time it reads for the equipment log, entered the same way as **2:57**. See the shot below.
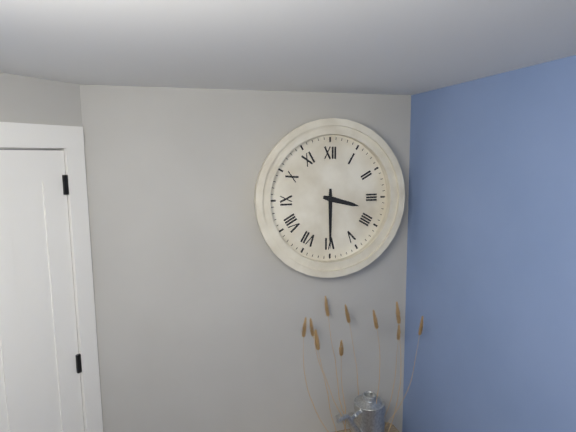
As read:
**3:30**
